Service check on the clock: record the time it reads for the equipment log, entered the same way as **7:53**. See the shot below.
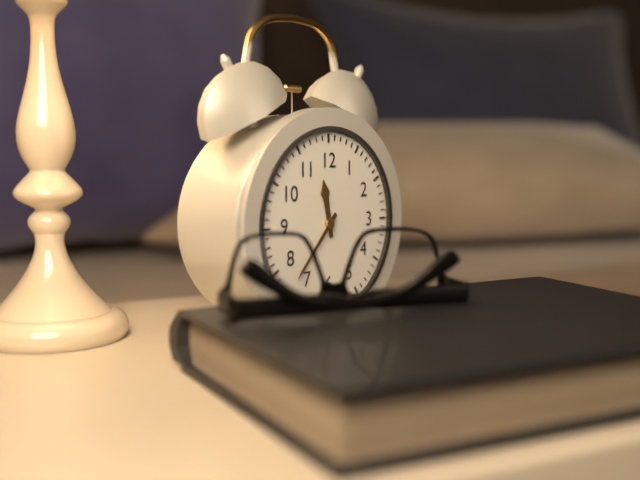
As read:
**11:37**
